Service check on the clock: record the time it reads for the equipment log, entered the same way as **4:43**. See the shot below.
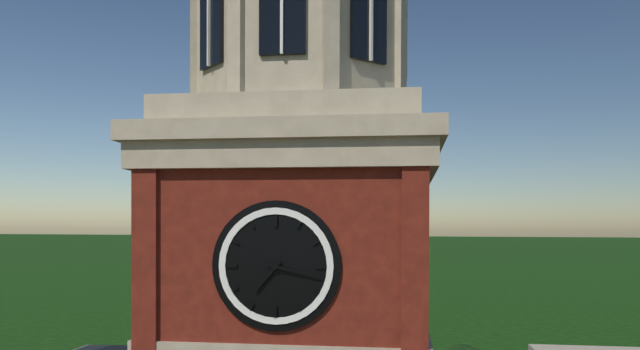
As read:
**7:17**
